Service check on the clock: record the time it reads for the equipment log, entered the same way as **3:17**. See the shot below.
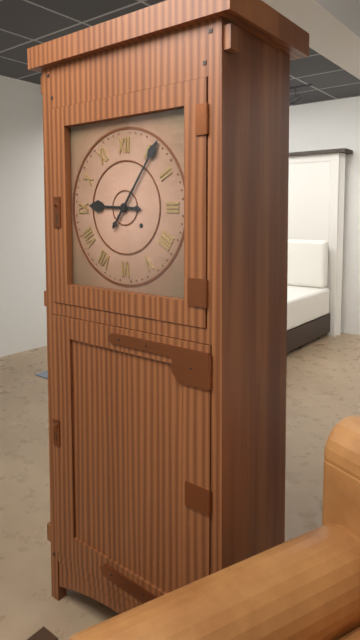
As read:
**9:06**
